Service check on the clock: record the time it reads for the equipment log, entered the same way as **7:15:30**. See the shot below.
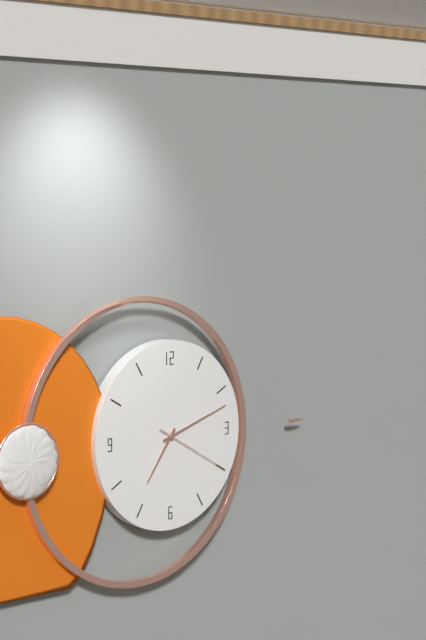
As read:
**7:12:20**
